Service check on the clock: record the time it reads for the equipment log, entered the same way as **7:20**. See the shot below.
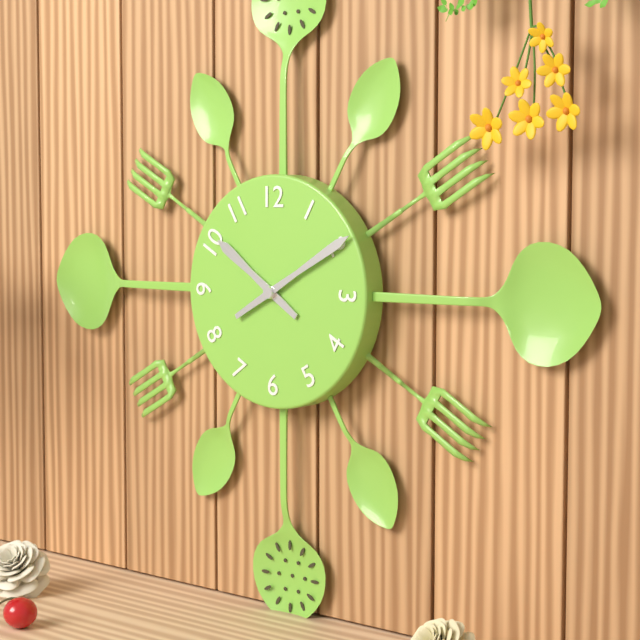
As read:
**10:10**
